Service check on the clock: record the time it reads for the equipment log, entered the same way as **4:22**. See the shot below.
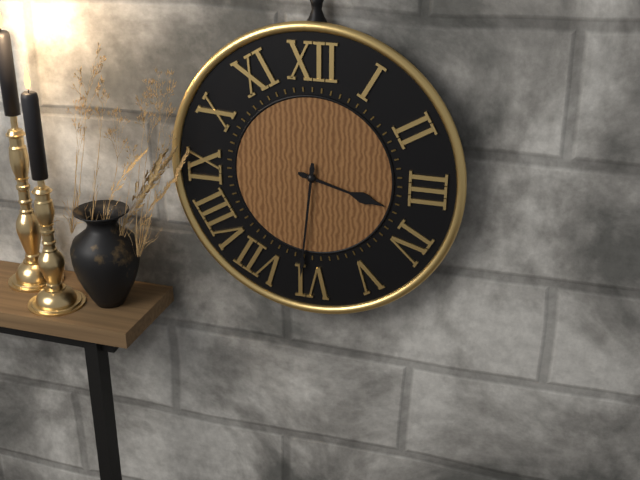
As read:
**3:31**
